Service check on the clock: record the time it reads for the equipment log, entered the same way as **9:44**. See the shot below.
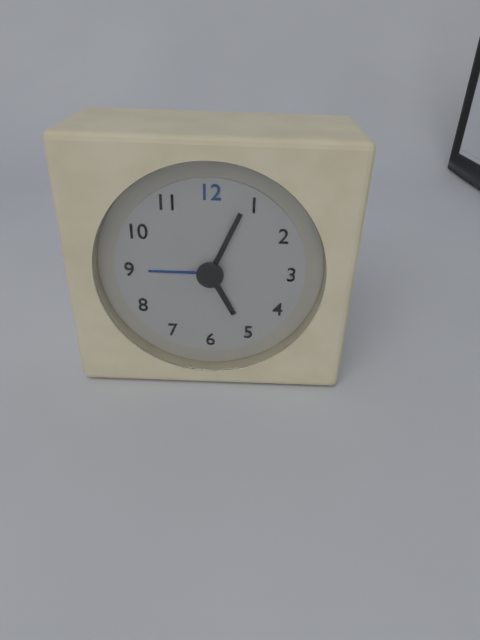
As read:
**5:04**
